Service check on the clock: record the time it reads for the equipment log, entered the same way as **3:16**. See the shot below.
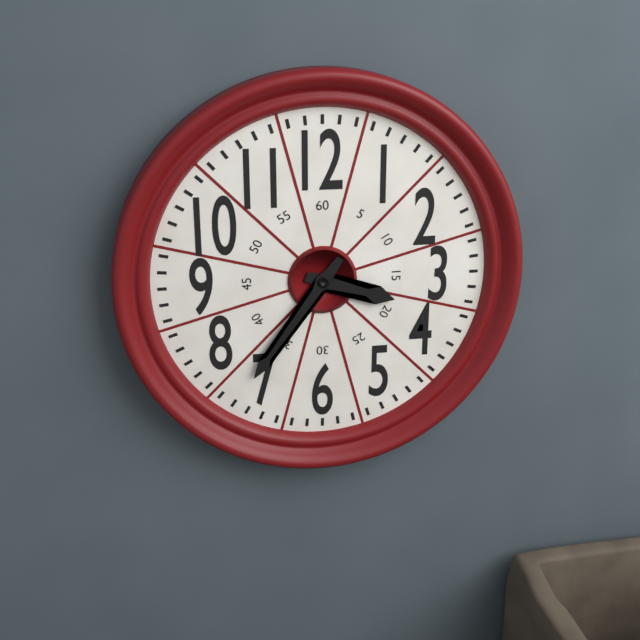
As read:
**3:36**
